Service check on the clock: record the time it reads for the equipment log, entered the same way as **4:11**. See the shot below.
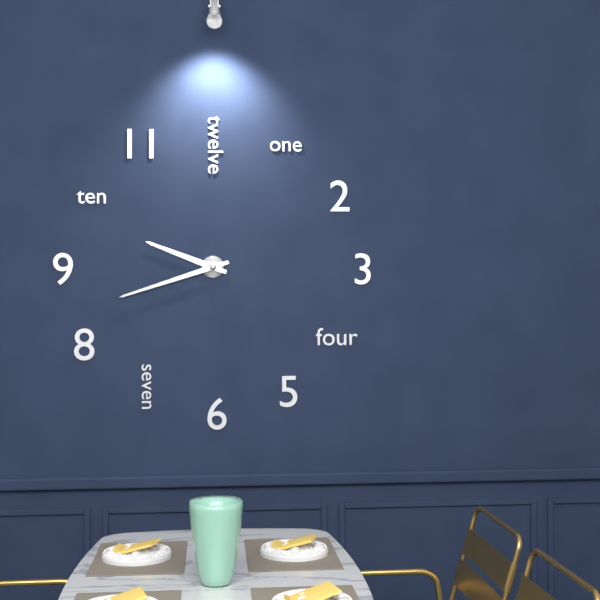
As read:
**9:42**
